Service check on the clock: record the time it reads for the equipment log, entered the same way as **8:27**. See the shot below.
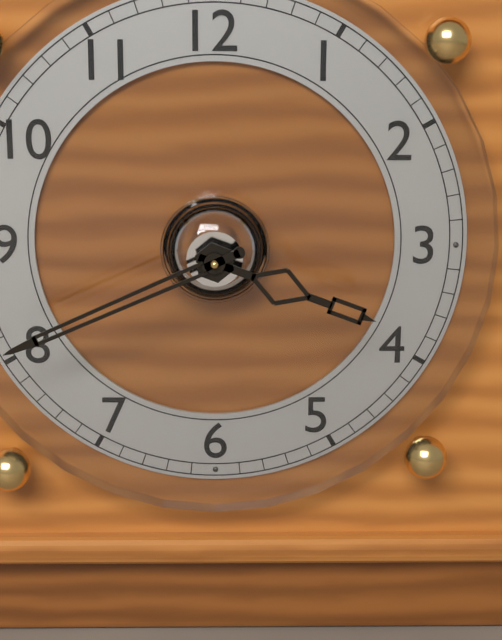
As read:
**3:41**
